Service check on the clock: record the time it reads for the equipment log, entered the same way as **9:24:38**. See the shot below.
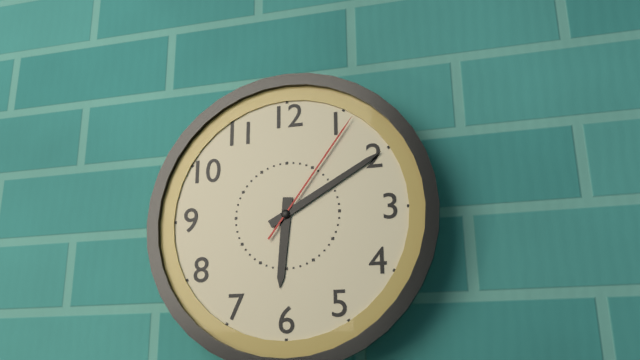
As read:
**6:10:06**
